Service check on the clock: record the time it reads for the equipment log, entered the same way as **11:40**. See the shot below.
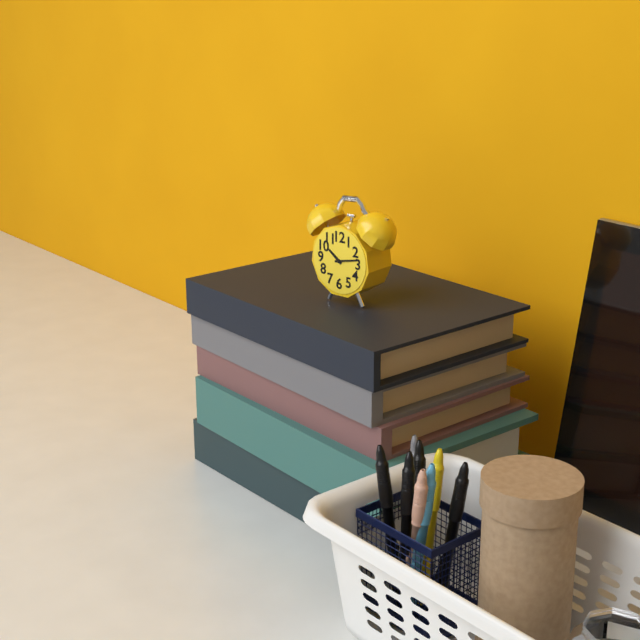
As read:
**10:13**
